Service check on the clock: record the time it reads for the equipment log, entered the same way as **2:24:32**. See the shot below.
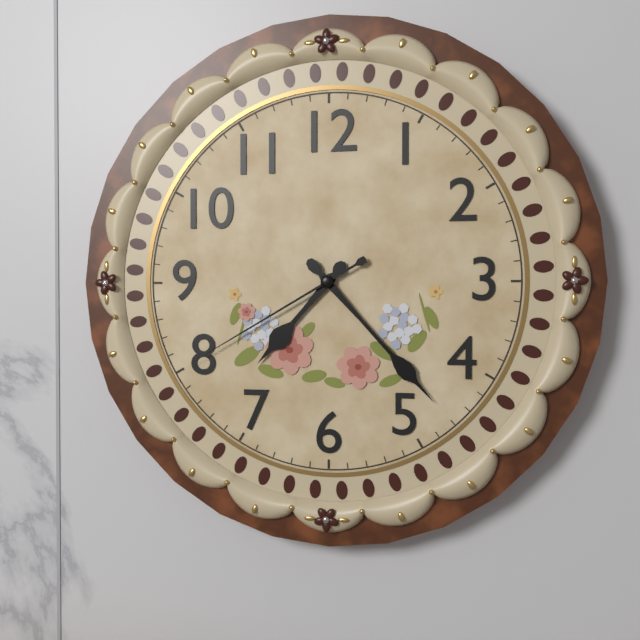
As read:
**7:23:40**
